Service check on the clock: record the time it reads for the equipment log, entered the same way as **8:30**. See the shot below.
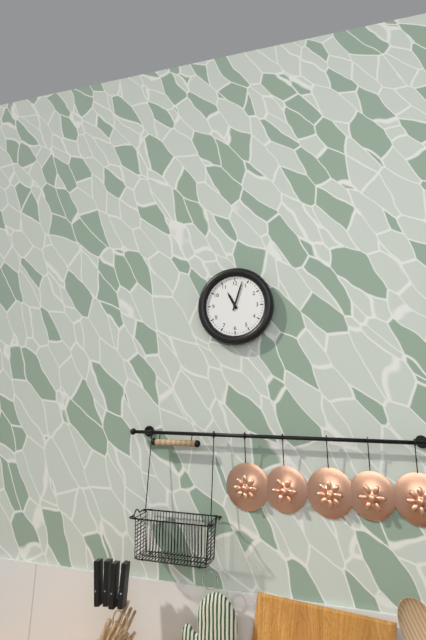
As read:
**11:03**
